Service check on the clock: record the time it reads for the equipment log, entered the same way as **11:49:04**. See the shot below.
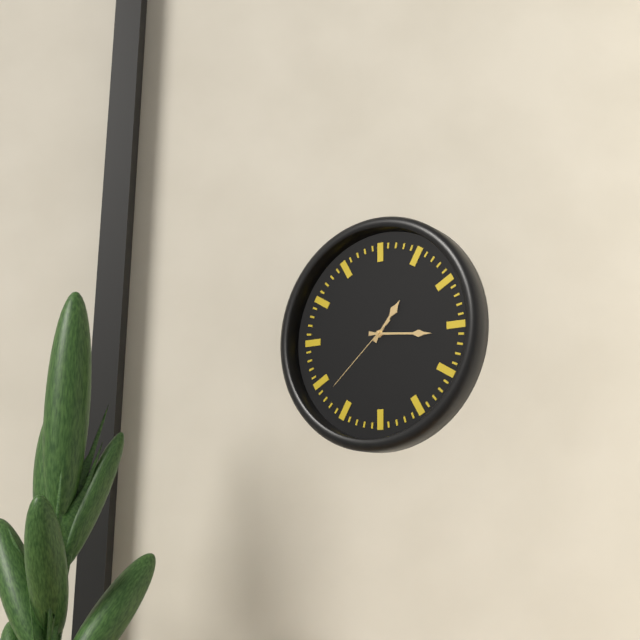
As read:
**1:16:38**
